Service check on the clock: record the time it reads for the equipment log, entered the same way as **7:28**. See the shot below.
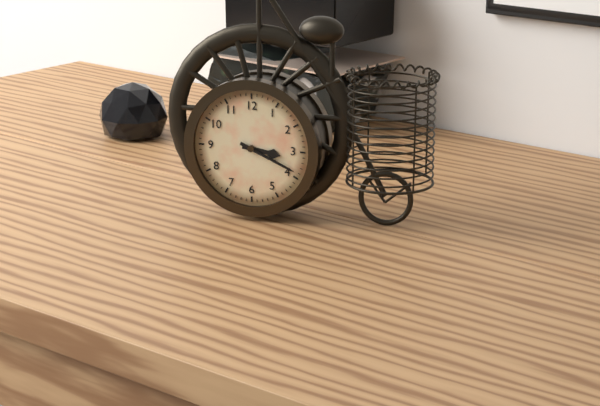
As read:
**3:19**
